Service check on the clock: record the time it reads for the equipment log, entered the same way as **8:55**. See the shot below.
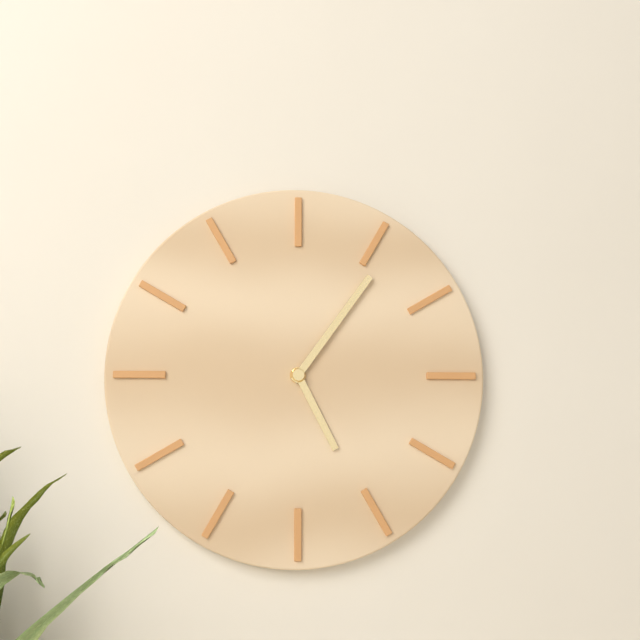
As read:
**5:06**
